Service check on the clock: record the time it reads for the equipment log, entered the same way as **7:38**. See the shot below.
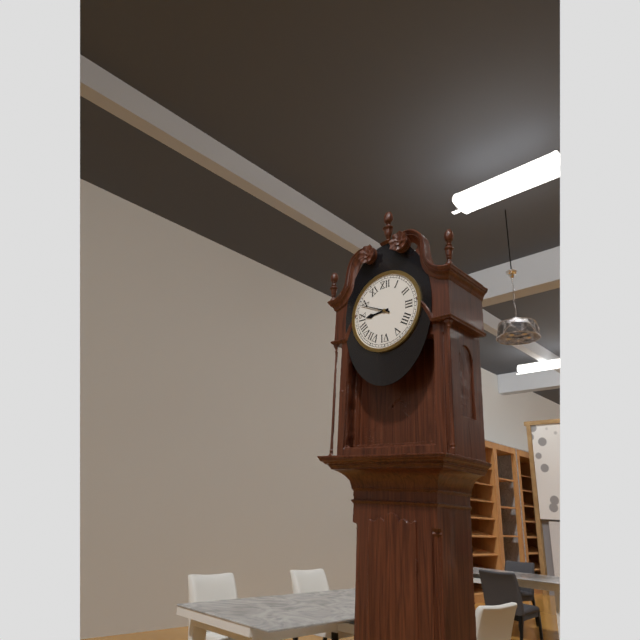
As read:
**8:49**
